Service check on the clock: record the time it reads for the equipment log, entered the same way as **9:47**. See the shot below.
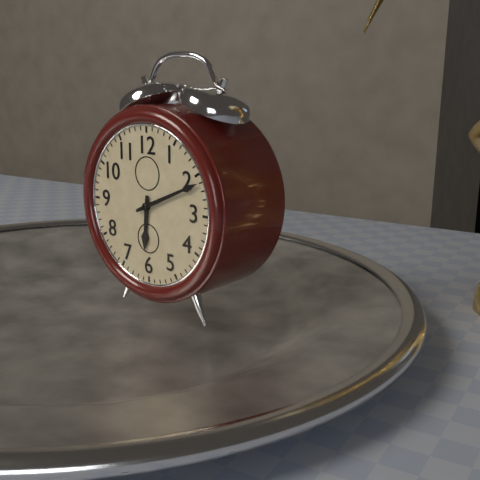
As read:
**6:11**
